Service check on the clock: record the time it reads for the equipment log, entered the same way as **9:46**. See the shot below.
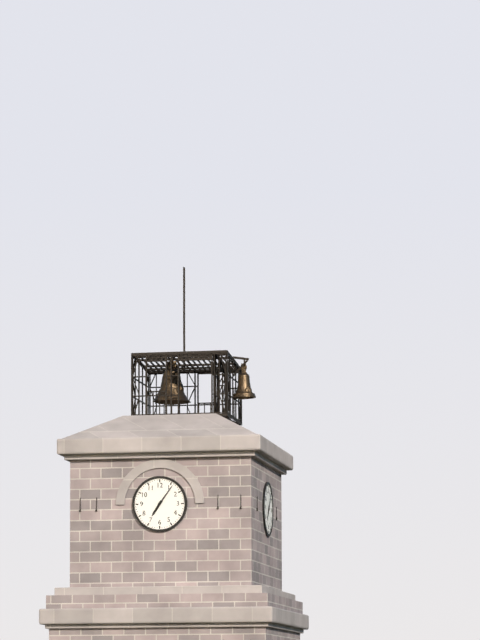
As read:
**7:06**
